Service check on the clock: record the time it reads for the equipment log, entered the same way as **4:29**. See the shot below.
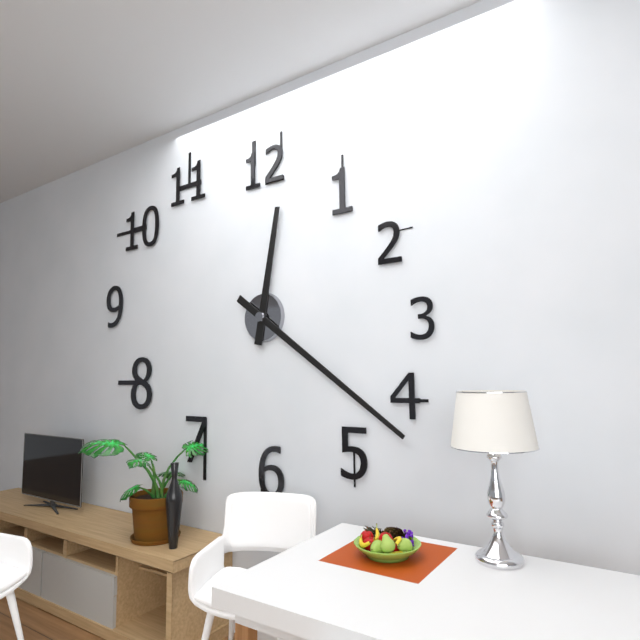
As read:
**12:21**
